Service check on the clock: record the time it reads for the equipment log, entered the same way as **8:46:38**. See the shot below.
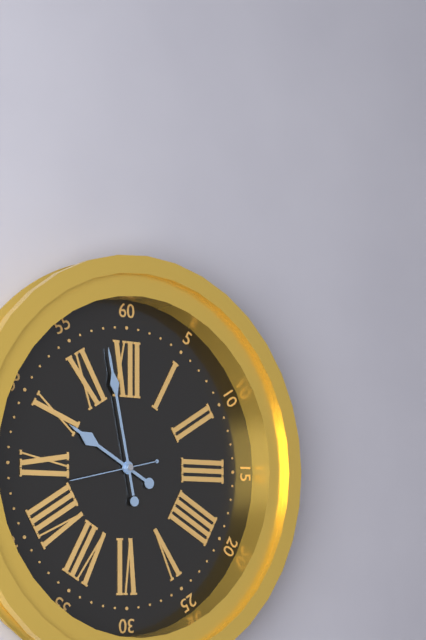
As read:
**9:58:43**
